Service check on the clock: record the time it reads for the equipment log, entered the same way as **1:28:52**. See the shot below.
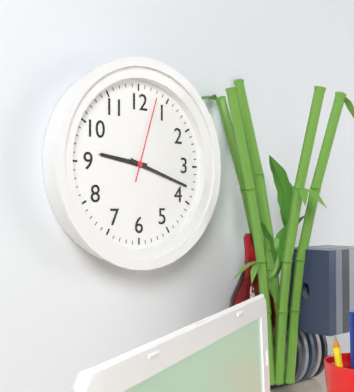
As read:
**9:18:03**
